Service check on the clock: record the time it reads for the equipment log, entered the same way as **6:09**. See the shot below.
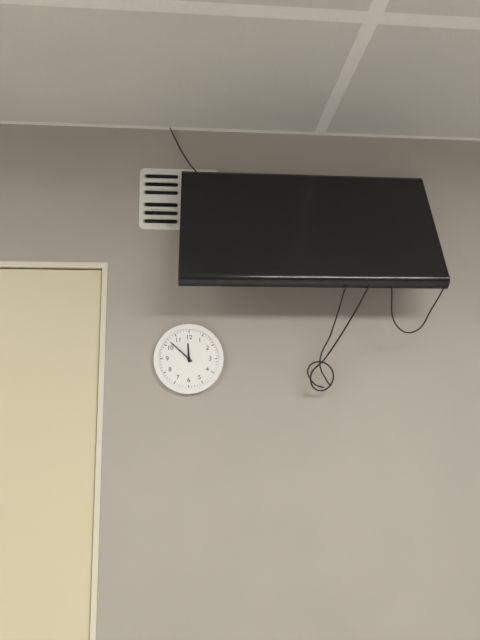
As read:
**11:52**
